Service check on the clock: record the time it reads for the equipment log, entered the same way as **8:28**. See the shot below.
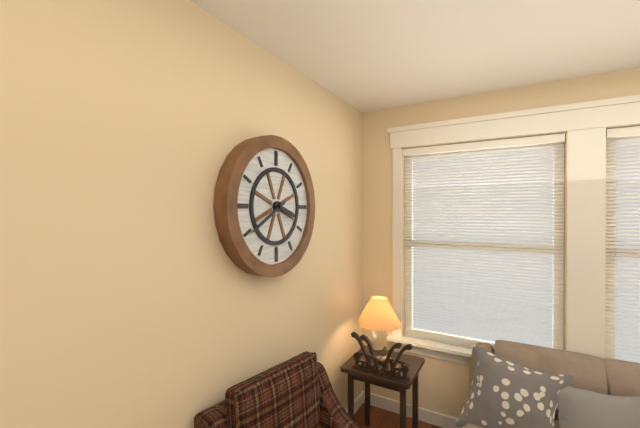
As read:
**3:40**
